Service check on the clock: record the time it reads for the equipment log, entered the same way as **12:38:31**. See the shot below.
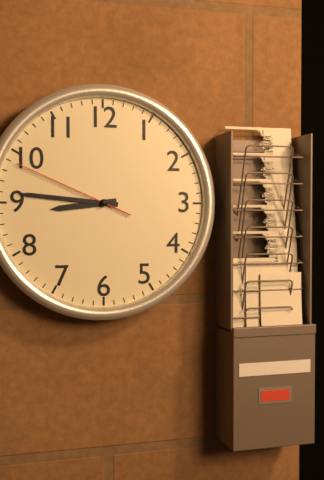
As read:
**8:46:49**
